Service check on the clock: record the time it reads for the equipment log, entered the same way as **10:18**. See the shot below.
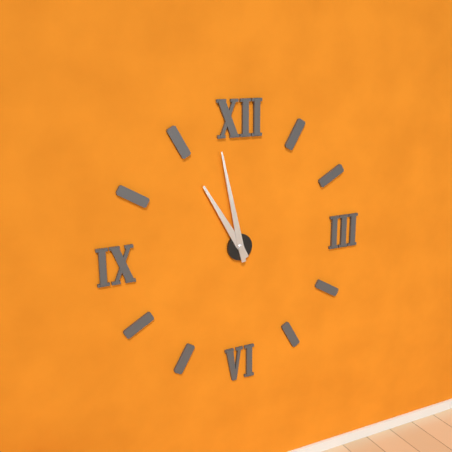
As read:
**10:58**
